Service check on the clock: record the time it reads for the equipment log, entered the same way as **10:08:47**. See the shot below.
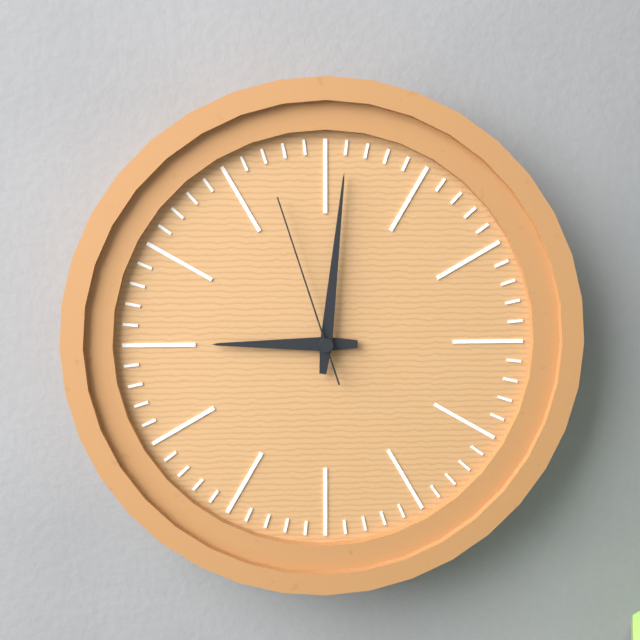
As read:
**9:01:57**
